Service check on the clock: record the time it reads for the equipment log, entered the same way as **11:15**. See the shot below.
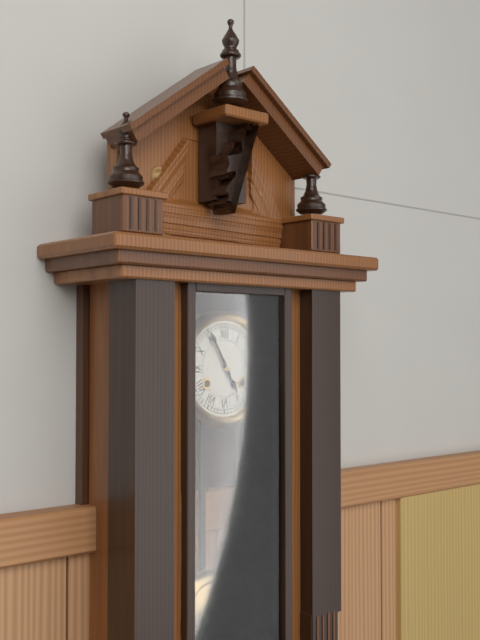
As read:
**4:55**
